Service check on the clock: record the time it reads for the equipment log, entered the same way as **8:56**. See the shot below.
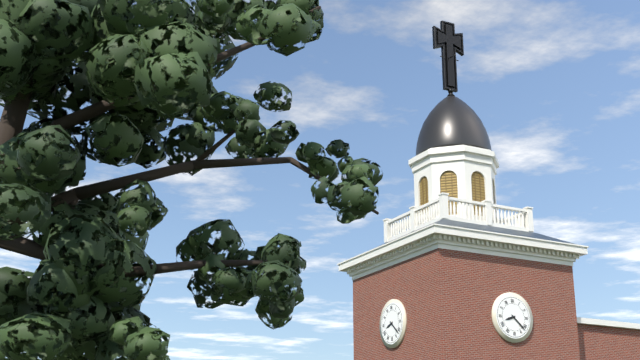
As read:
**8:22**
